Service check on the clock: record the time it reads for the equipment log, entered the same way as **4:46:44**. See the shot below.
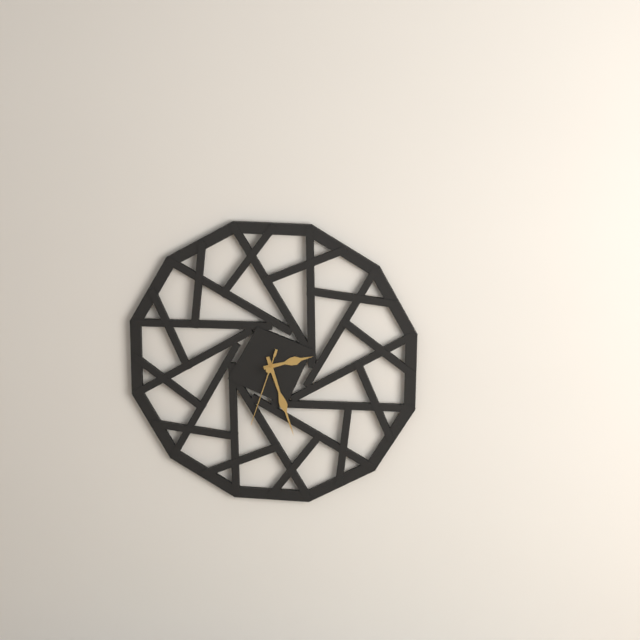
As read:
**2:27:33**
